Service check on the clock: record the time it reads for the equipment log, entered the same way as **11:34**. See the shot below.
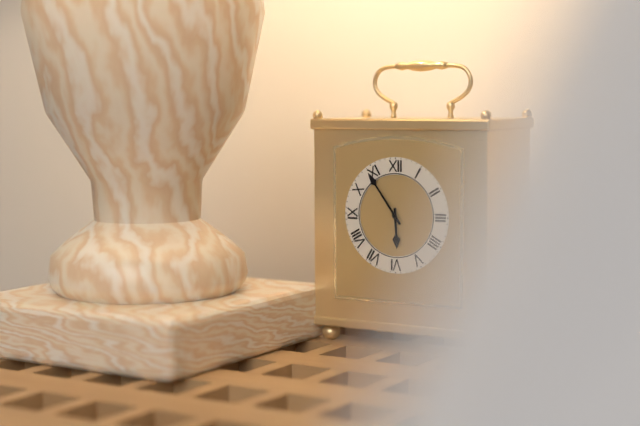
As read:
**5:54**
